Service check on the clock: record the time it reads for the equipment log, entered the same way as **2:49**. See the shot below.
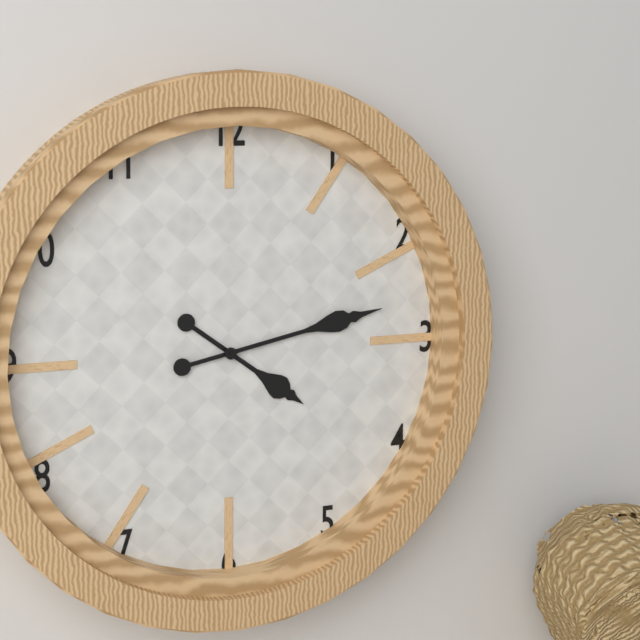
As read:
**4:13**
